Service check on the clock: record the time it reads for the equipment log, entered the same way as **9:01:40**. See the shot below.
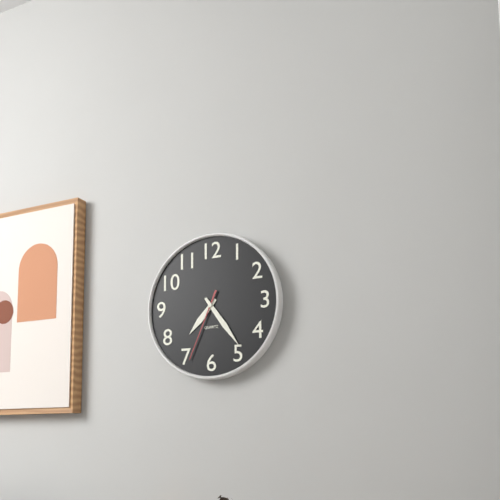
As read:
**7:24:34**
